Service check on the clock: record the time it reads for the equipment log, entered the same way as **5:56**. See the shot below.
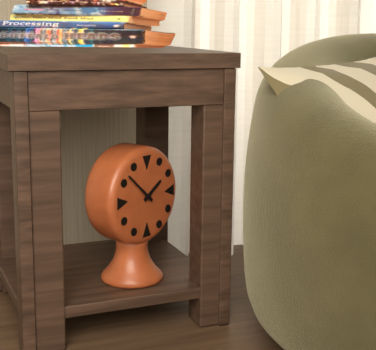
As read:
**1:52**
